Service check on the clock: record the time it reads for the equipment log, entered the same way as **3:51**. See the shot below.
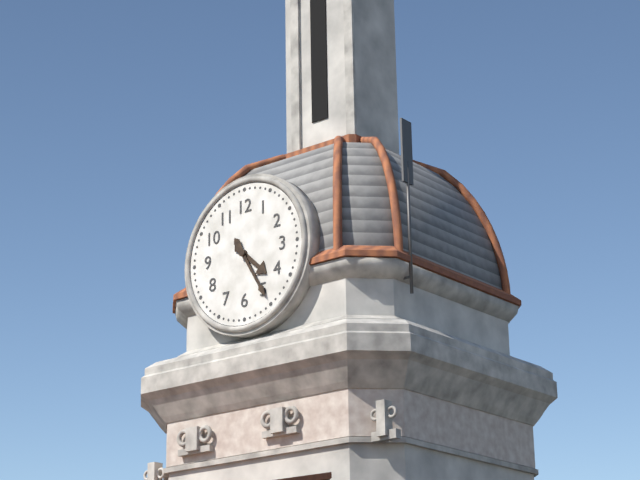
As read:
**4:25**
